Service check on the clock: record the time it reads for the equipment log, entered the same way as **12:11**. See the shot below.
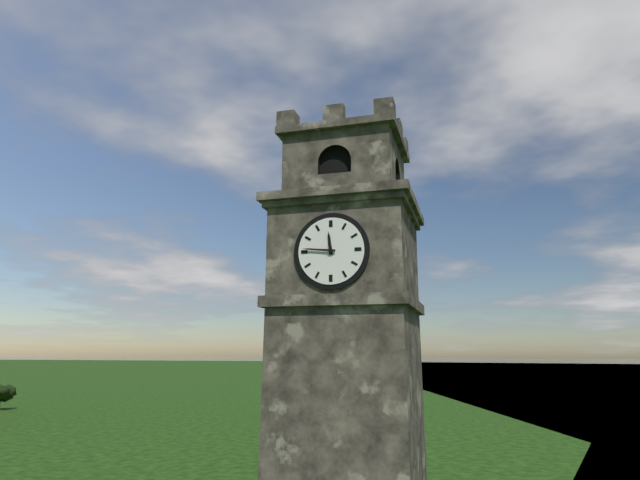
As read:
**11:46**
